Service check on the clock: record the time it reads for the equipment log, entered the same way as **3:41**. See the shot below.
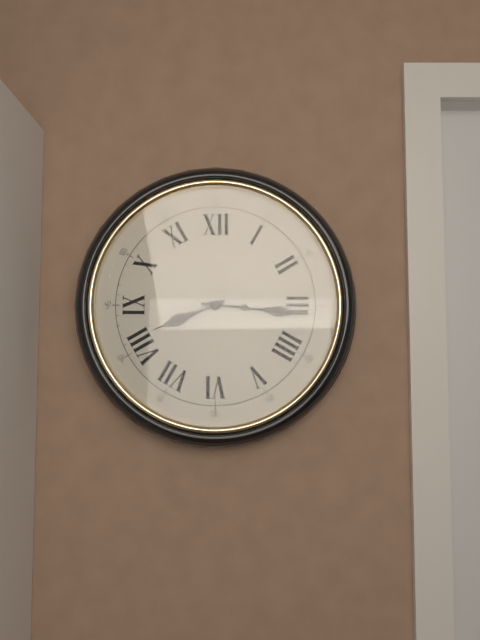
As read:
**8:16**
